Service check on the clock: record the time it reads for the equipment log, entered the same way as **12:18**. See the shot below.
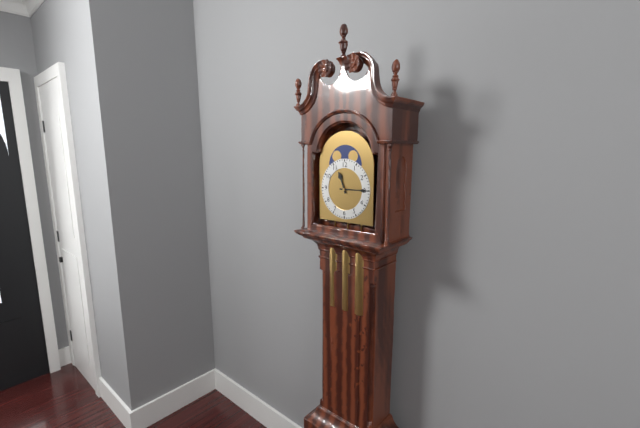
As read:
**11:15**
